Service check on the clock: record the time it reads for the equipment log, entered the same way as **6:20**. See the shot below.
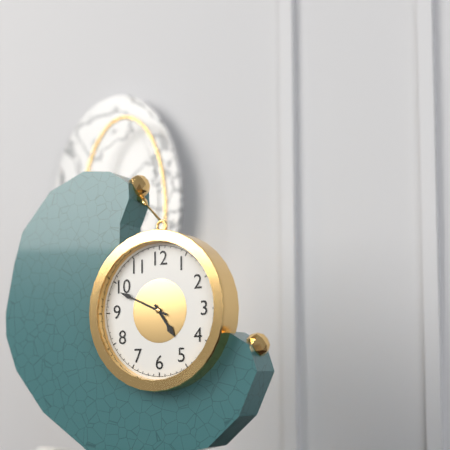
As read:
**4:49**
